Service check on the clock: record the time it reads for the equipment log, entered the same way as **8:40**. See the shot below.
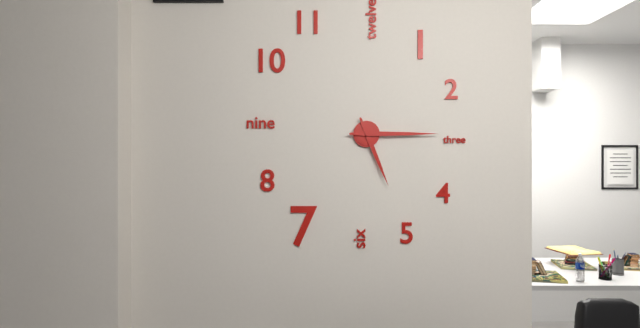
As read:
**5:15**
